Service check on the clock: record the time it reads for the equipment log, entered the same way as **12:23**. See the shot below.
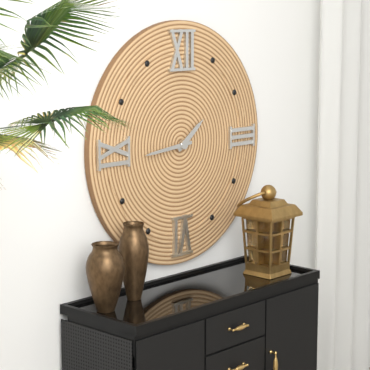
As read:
**1:44**
